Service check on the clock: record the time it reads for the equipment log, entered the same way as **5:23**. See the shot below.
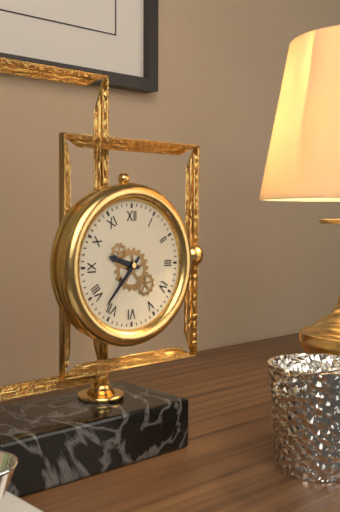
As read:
**9:37**
